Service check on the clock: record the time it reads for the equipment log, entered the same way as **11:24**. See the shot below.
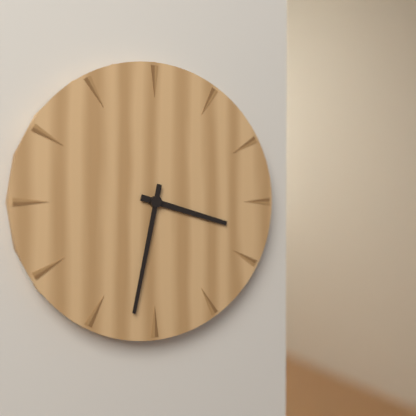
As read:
**3:32**
